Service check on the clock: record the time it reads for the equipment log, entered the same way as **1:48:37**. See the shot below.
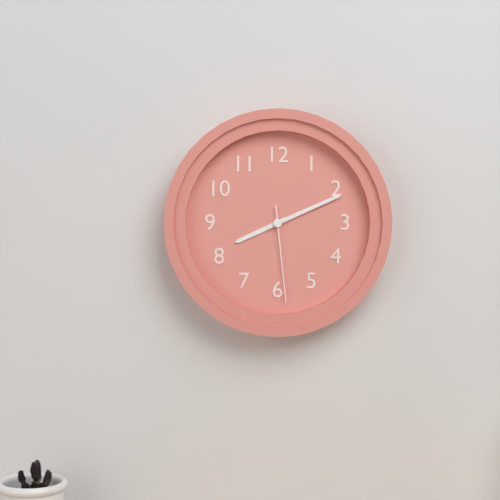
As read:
**8:11:29**
